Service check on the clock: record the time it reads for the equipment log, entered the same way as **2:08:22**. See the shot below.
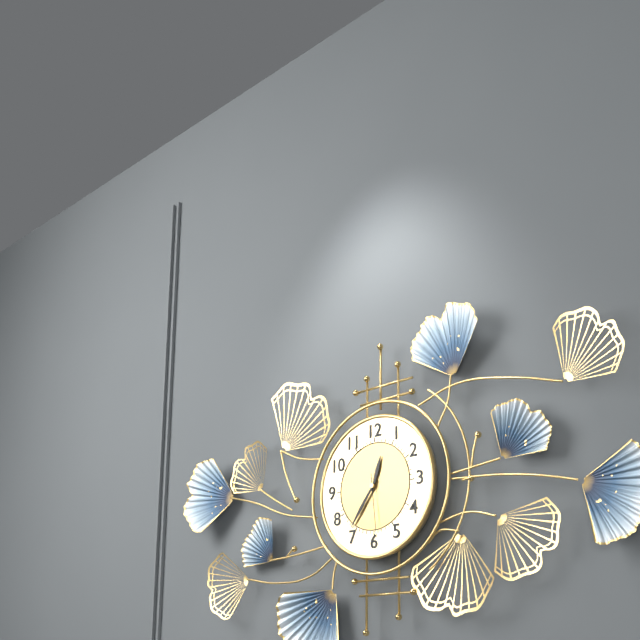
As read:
**12:36:29**
